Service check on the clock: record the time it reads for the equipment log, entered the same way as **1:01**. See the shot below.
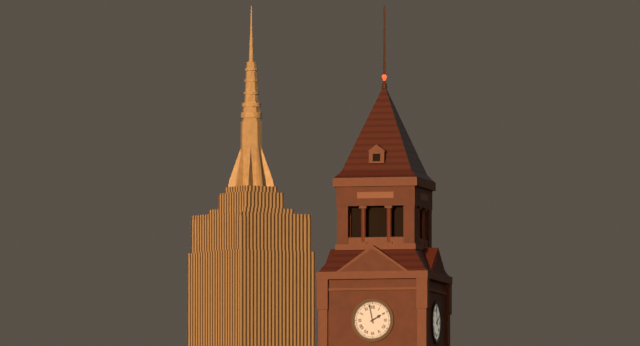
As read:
**1:58**
